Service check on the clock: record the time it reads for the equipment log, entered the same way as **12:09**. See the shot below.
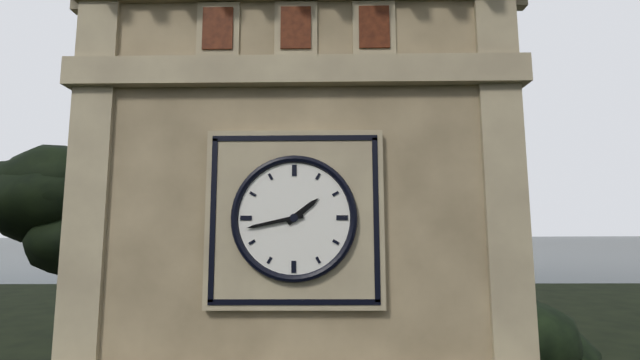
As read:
**1:43**
